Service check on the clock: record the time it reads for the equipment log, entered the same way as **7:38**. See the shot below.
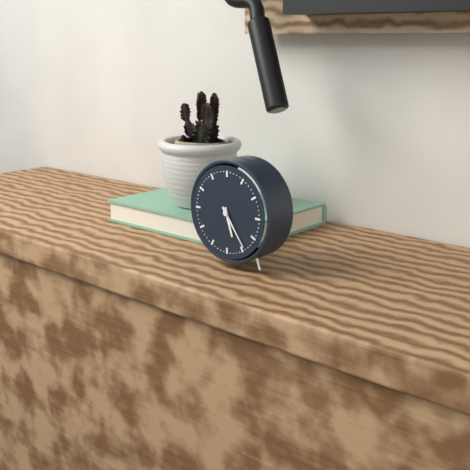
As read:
**5:24**
